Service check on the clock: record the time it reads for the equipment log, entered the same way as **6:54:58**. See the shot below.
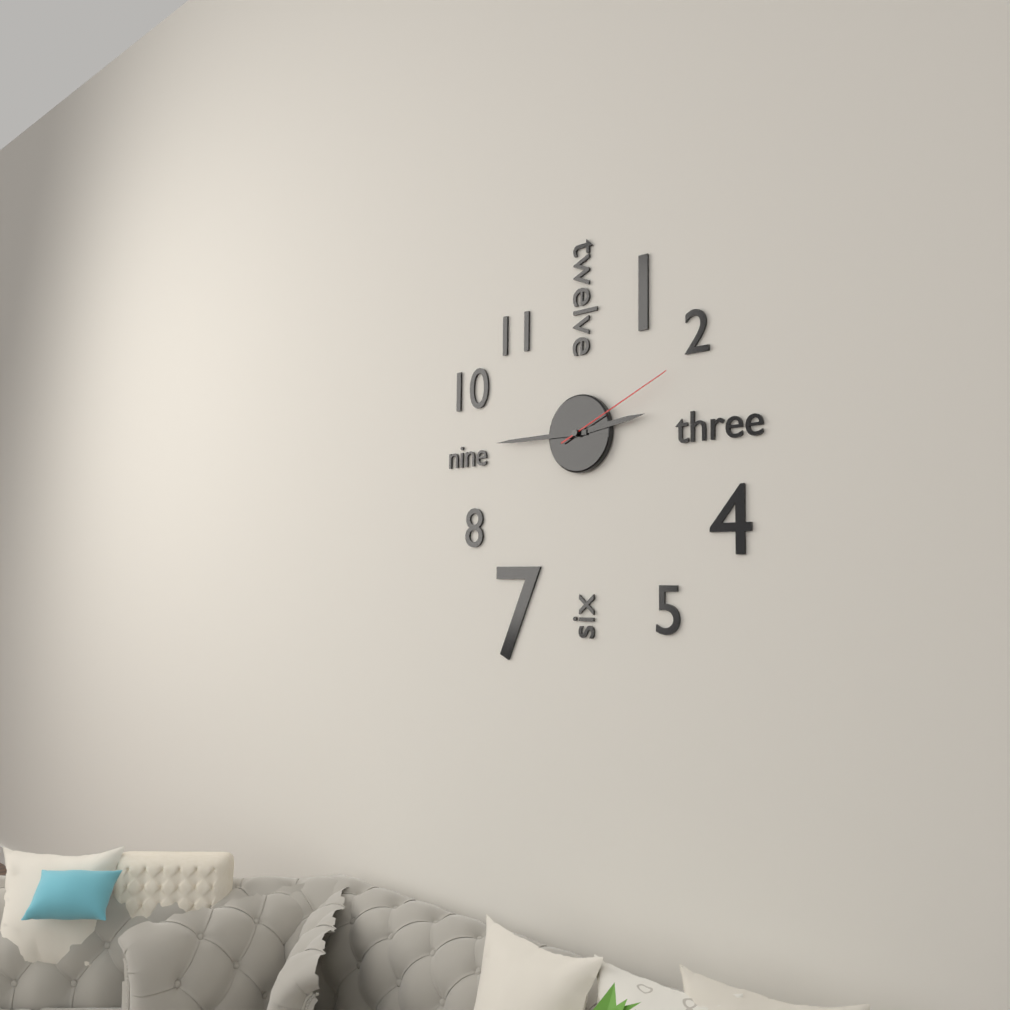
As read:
**2:45:11**
